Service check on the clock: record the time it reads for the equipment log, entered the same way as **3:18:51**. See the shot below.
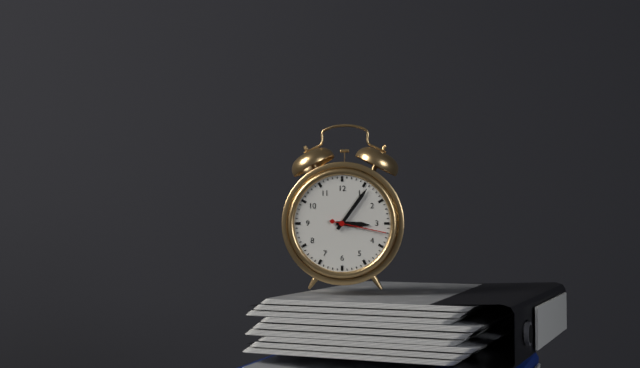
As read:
**3:06:17**
